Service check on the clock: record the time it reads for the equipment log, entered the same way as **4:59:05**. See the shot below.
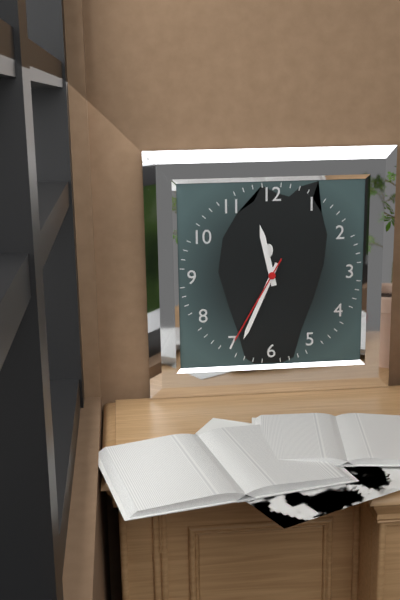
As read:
**11:34:35**
